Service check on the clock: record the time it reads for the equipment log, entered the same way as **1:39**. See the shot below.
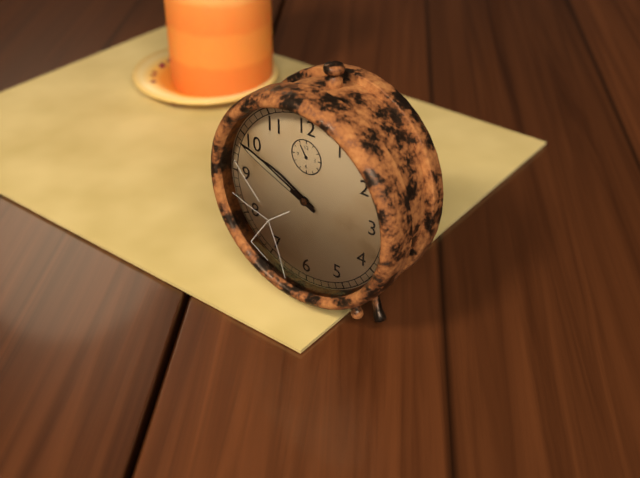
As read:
**9:49**
